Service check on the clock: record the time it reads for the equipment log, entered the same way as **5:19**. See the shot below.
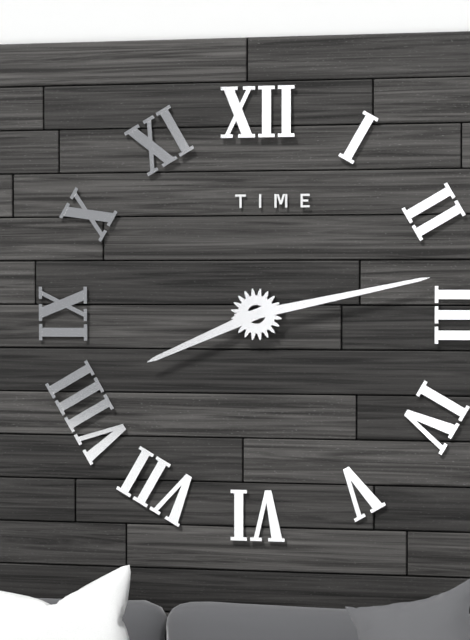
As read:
**8:13**
